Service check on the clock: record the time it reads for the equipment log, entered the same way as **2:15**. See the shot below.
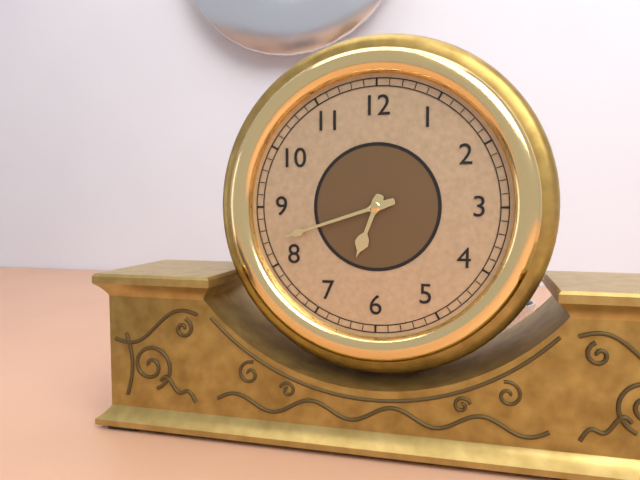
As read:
**6:42**
